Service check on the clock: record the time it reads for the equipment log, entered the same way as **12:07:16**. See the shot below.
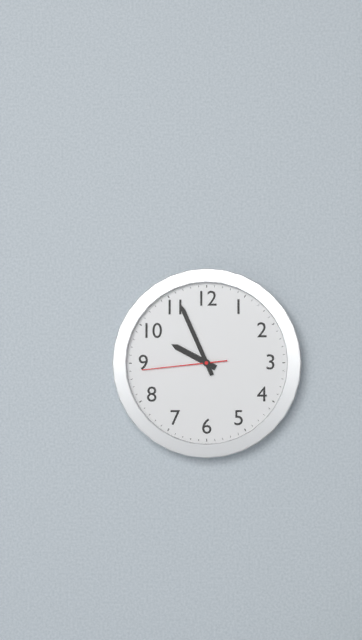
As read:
**9:56:44**
